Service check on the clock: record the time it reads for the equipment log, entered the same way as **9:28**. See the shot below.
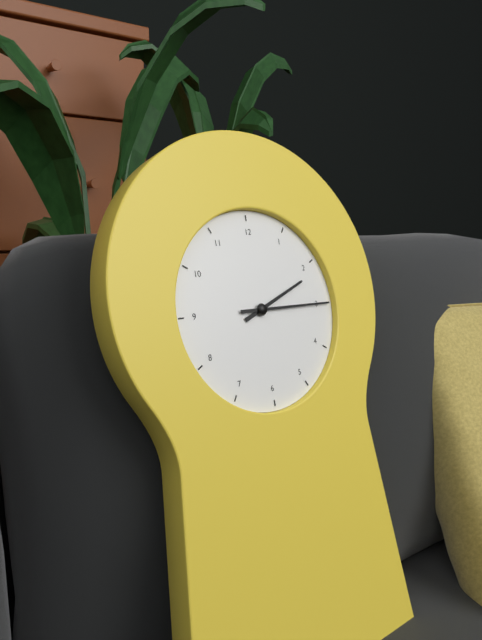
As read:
**2:15**
